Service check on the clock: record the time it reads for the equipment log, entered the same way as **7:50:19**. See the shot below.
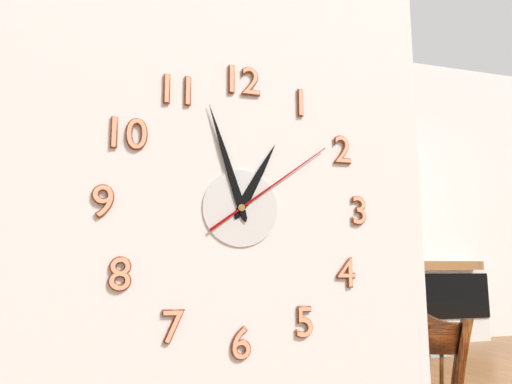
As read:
**12:57:09**
